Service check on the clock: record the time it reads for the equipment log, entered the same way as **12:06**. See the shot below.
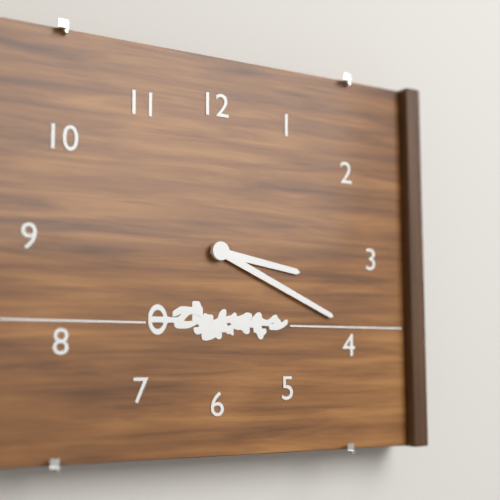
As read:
**3:19**
